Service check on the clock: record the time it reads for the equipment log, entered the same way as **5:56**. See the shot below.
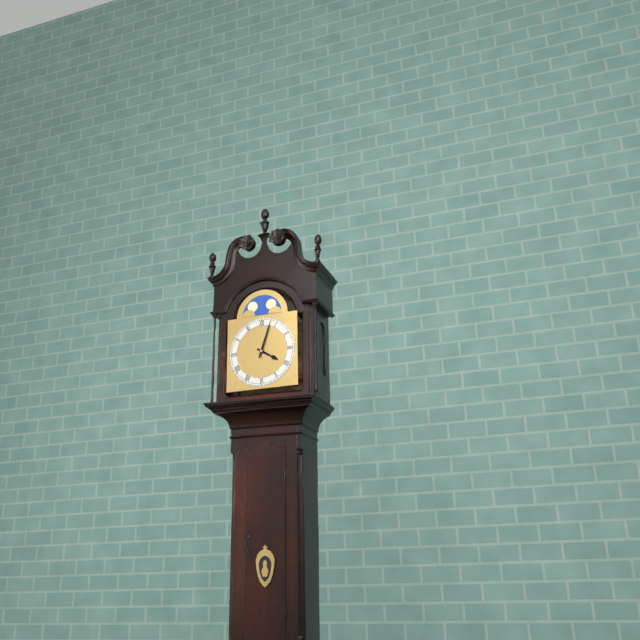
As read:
**4:03**
